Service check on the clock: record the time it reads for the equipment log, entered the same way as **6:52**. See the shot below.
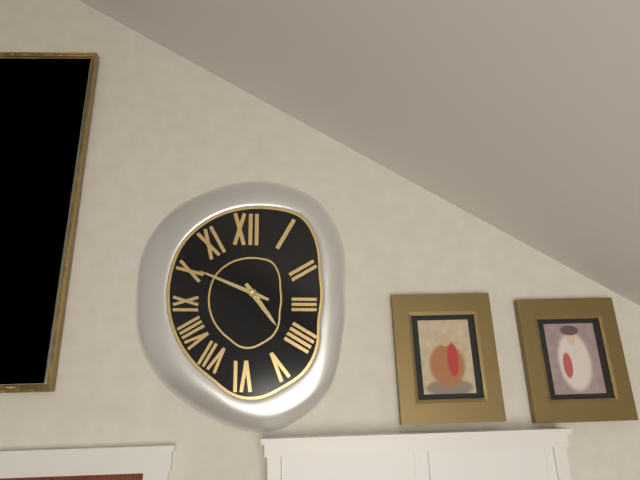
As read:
**4:49**
